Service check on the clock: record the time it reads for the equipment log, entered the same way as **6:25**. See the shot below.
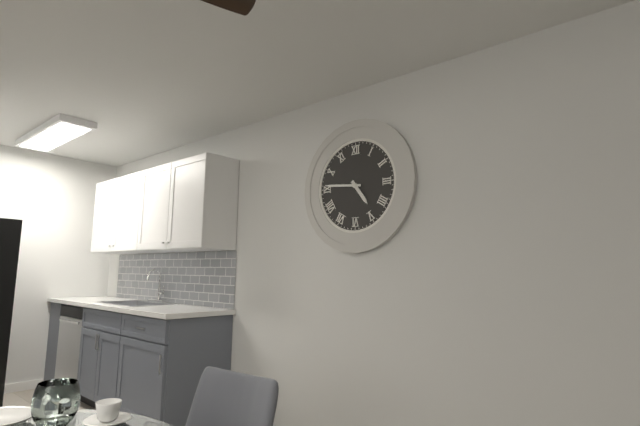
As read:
**4:46**
